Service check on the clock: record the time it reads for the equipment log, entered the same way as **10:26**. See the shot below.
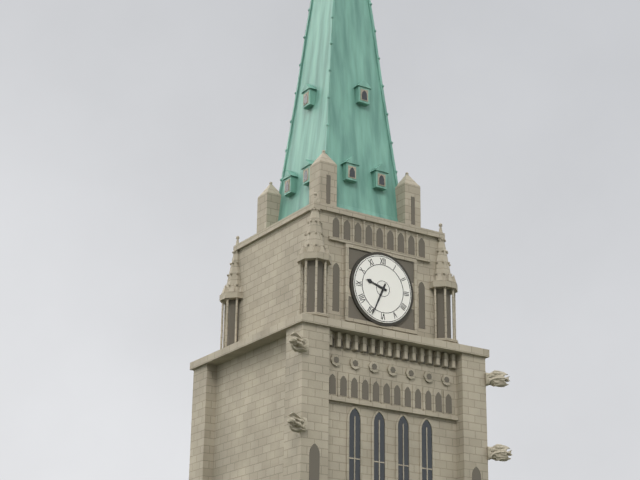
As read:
**9:34**
